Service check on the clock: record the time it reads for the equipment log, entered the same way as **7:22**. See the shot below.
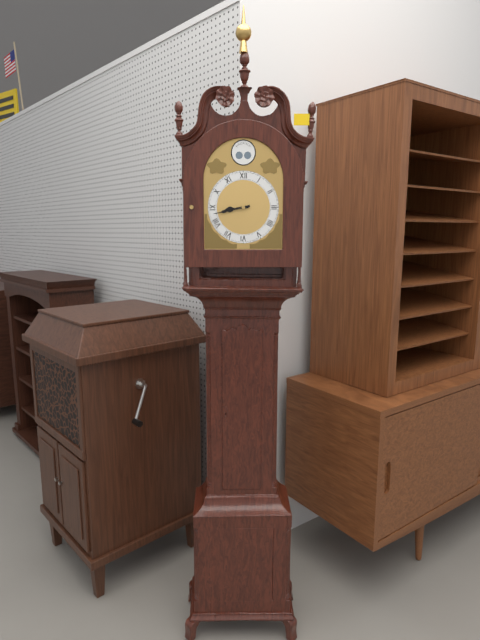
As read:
**8:43**
